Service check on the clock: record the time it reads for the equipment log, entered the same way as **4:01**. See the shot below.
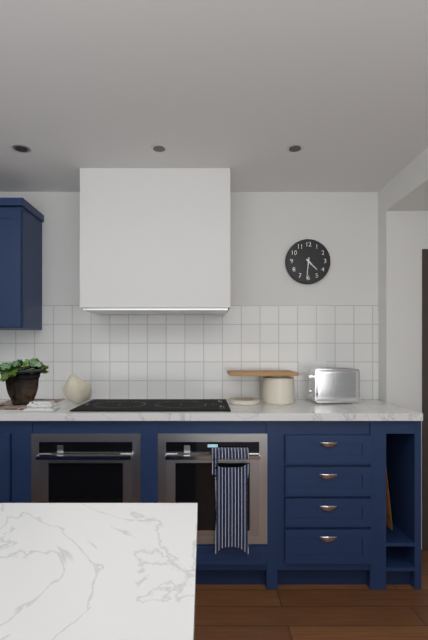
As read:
**4:31**
